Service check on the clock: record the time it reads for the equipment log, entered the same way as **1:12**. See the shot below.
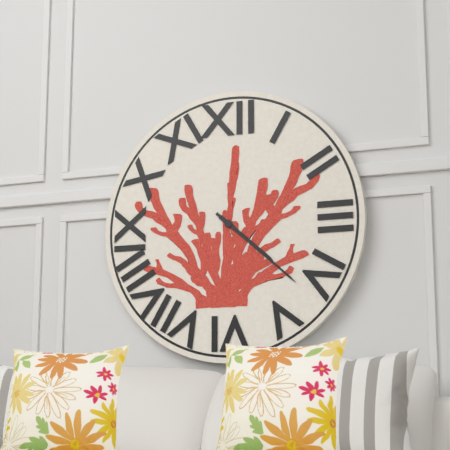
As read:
**4:22**
